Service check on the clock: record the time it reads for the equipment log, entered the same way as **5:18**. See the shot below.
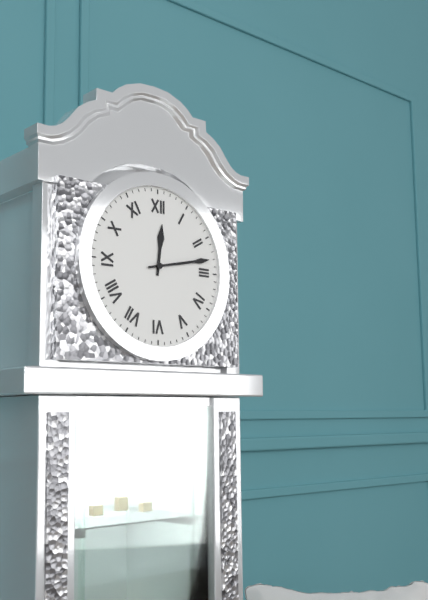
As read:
**12:13**
